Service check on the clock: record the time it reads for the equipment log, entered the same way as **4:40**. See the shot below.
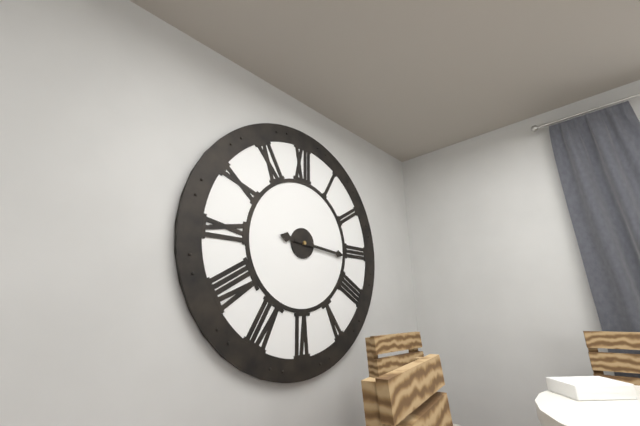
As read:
**9:16**
